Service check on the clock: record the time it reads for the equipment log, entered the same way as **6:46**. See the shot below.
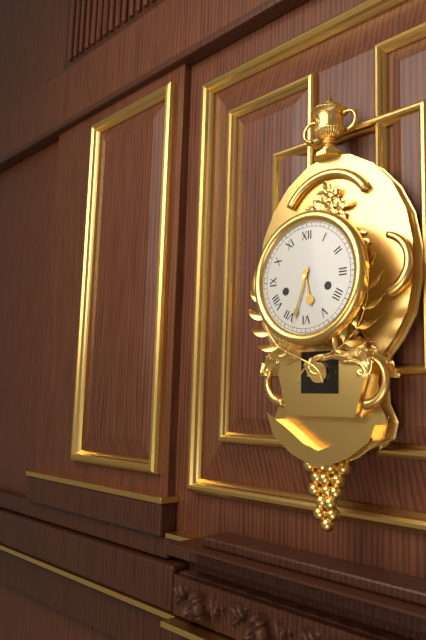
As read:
**5:33**
